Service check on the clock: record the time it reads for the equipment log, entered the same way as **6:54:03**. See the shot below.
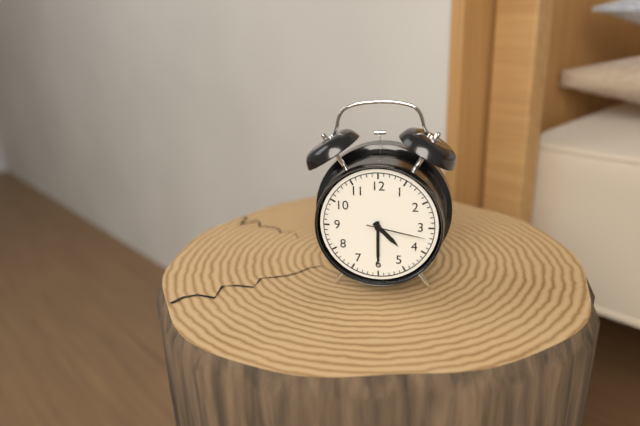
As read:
**4:30:17**
